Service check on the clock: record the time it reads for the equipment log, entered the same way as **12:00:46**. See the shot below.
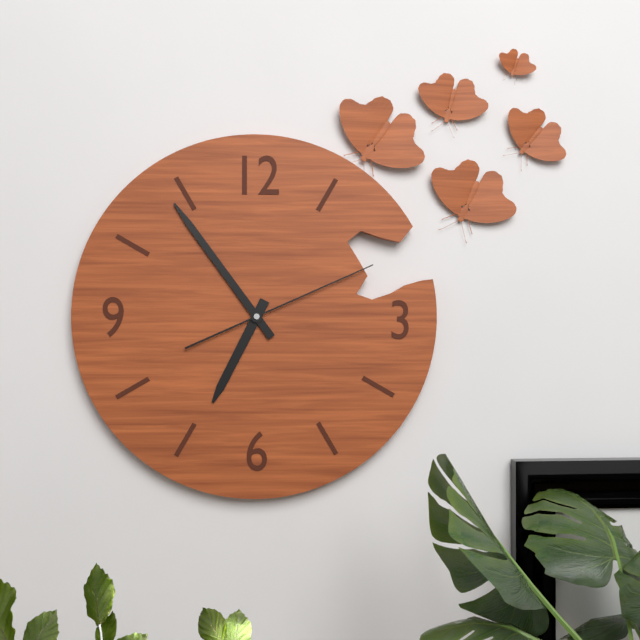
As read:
**6:54:11**
